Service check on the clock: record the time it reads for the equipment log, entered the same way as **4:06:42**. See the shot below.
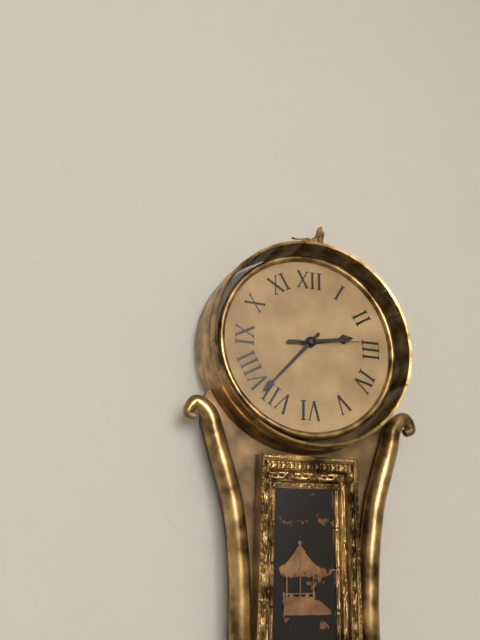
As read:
**2:37:14**
